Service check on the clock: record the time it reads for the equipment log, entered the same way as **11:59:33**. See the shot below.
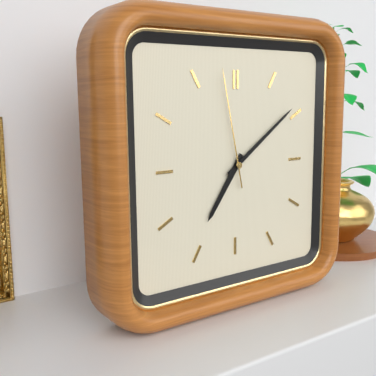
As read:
**7:09:58**
